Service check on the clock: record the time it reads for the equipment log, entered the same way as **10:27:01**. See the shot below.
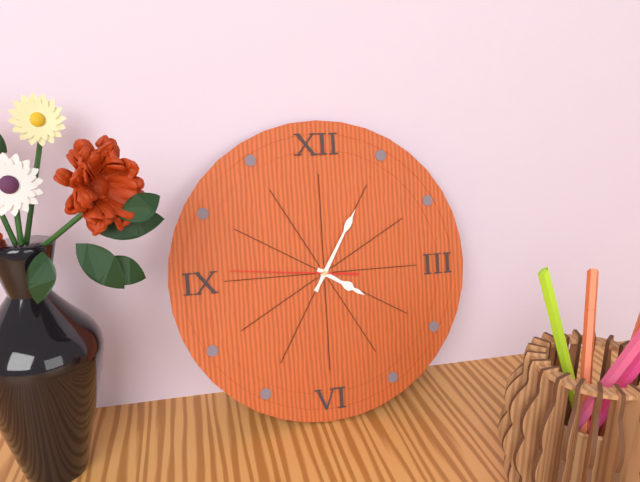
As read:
**4:05:46**
